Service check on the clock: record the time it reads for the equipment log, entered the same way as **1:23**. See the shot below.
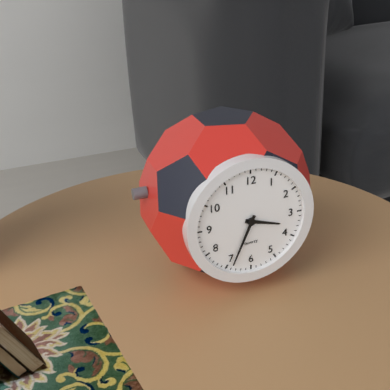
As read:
**3:34**
